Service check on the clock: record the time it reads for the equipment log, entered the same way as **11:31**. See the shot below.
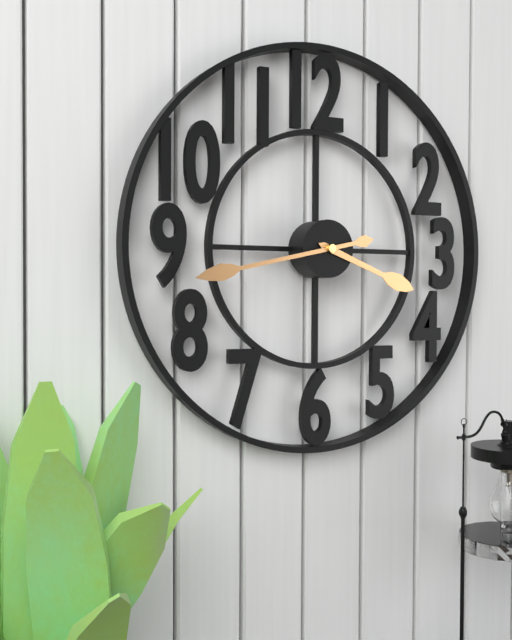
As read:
**3:43**
